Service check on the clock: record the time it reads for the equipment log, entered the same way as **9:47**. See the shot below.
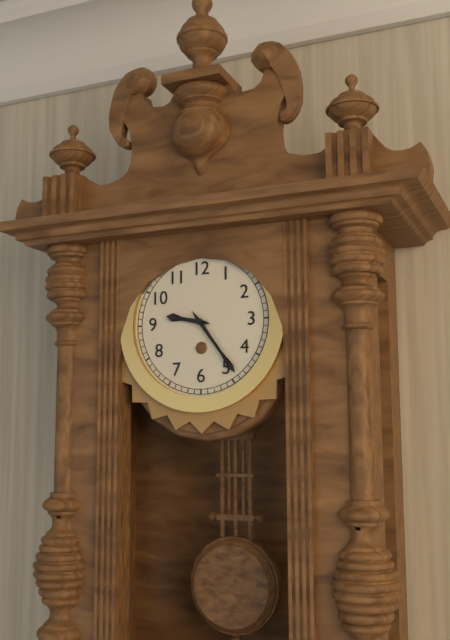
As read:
**9:24**
